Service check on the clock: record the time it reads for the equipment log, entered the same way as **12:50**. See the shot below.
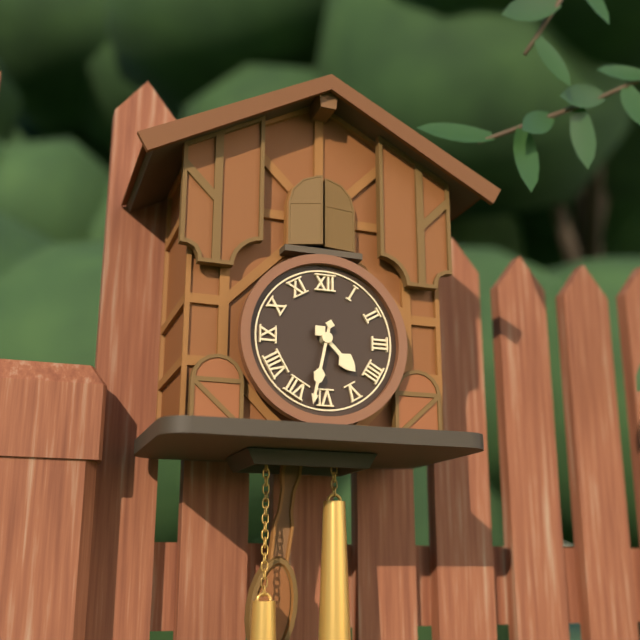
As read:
**4:32**
